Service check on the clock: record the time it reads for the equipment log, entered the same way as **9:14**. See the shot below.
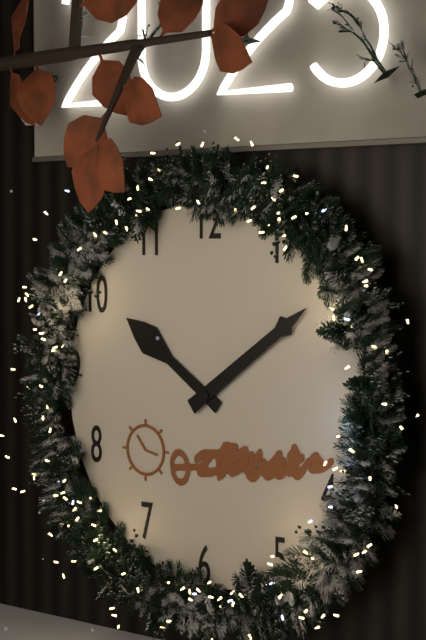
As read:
**10:09**
